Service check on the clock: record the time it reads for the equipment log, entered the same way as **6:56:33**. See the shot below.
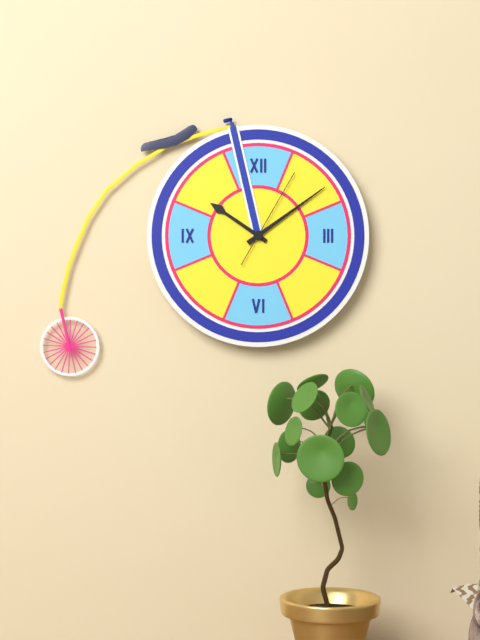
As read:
**10:09:05**
